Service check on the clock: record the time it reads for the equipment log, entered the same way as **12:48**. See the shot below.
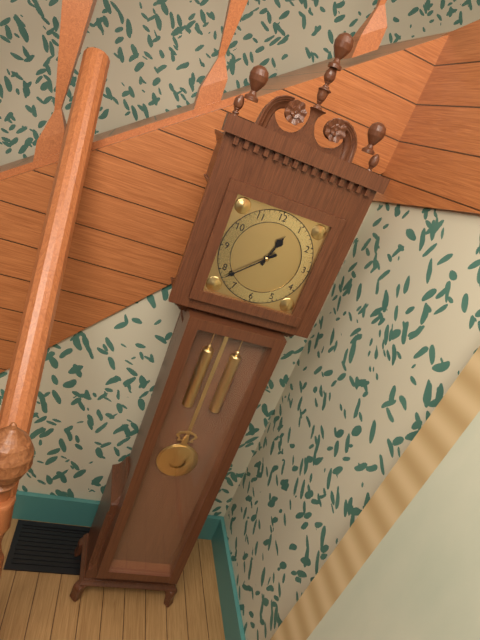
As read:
**12:38**
